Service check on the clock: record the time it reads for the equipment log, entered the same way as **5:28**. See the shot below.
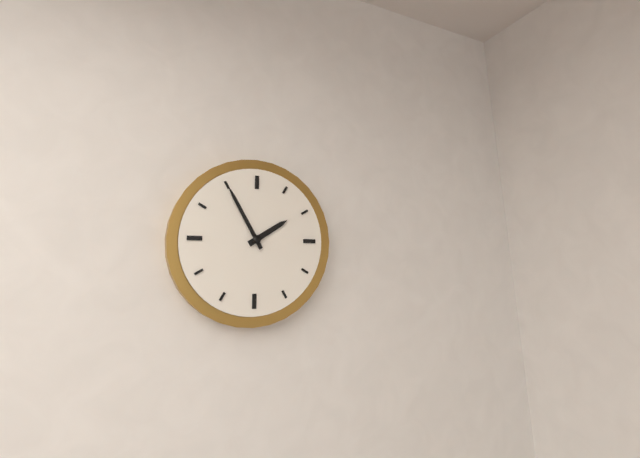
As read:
**1:55**
